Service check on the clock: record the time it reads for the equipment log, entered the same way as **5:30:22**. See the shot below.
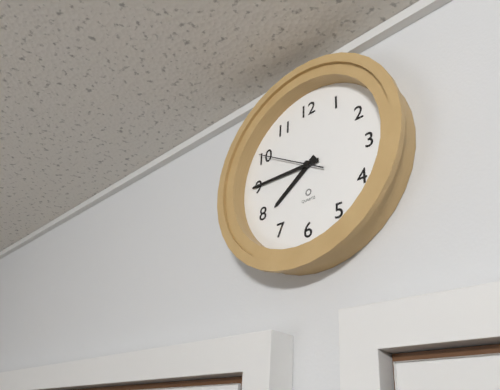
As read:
**7:45:50**
